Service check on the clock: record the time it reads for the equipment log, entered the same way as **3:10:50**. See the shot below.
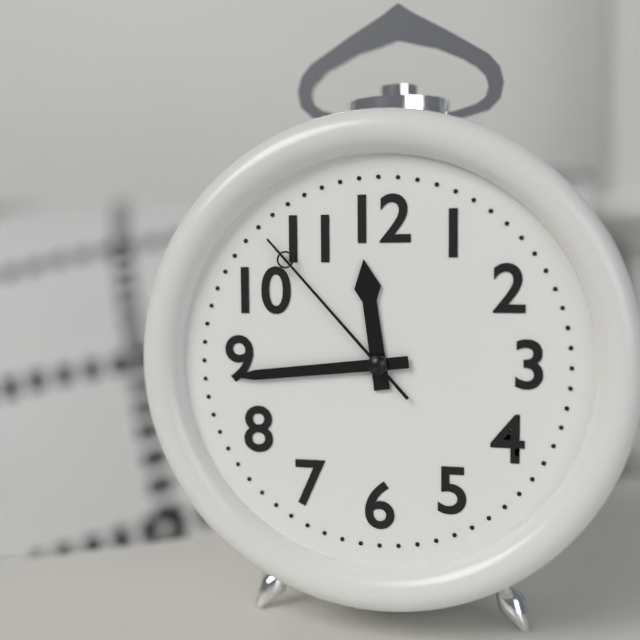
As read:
**11:44:53**
